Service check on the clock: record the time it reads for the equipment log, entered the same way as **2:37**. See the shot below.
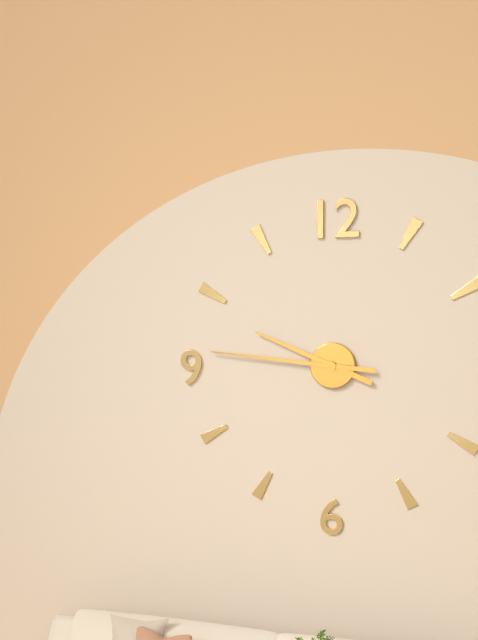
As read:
**9:46**
